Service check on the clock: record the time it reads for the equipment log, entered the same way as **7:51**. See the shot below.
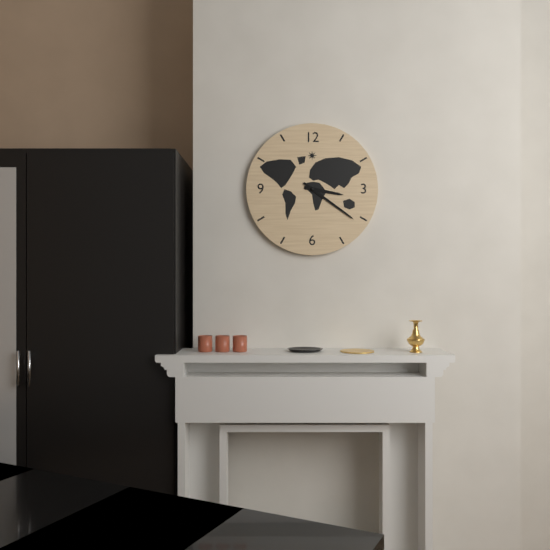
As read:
**3:21**
